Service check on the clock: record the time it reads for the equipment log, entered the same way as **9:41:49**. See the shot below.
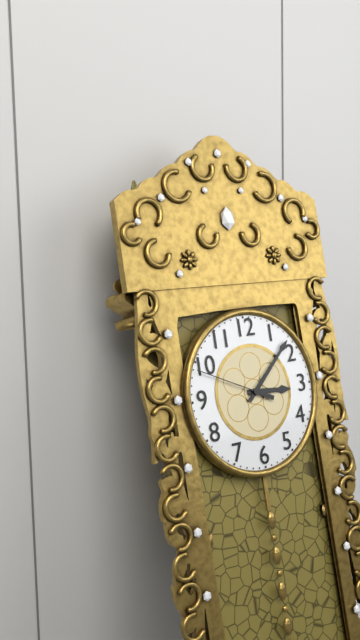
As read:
**3:08:49**
